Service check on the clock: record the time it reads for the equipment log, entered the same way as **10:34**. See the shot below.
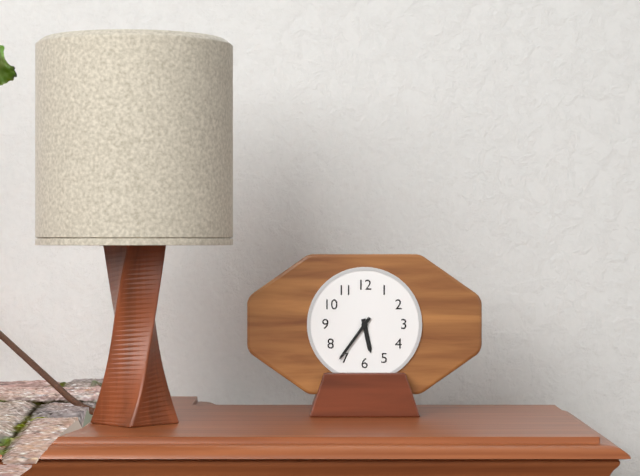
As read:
**5:36**
